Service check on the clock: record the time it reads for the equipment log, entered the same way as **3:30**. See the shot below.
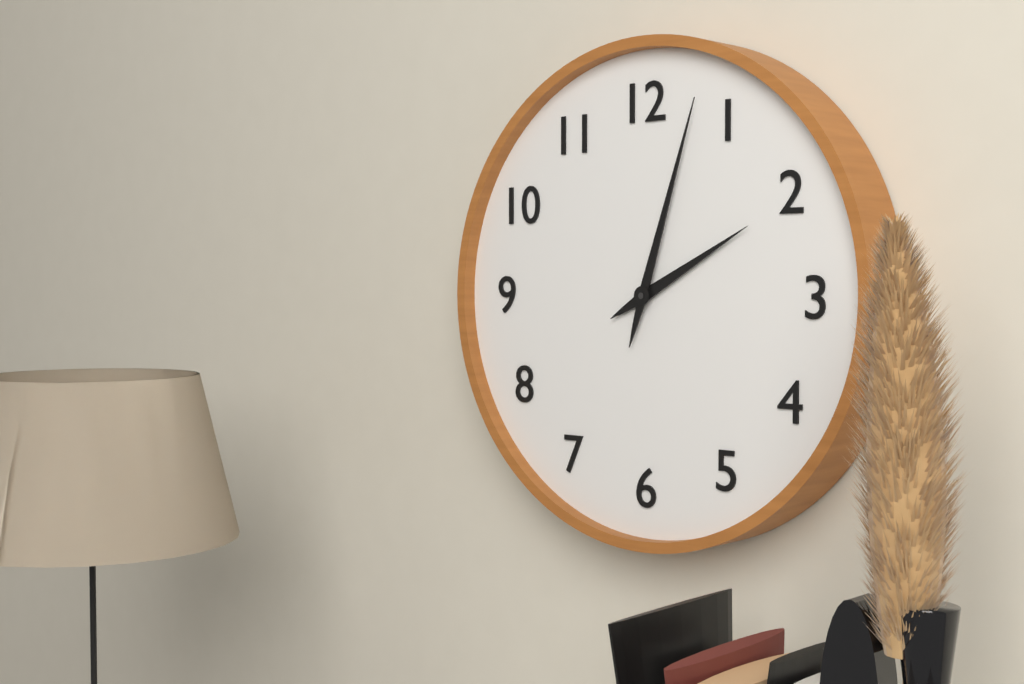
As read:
**2:03**
